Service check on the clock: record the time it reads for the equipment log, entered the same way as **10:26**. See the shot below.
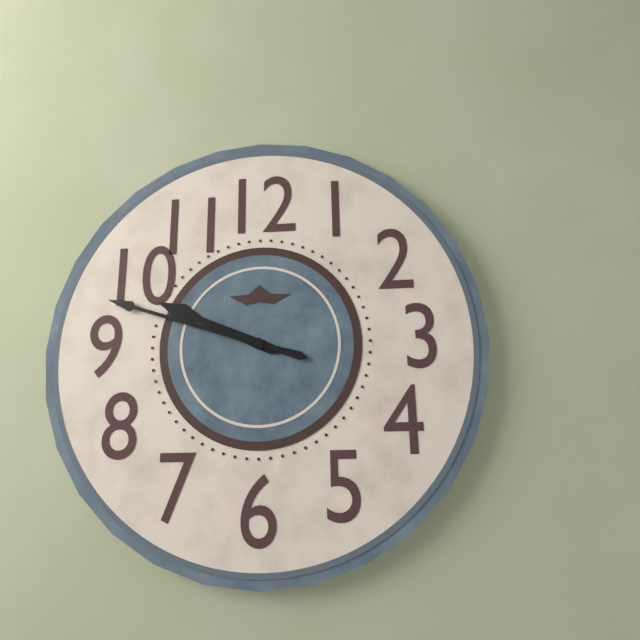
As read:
**9:48**
